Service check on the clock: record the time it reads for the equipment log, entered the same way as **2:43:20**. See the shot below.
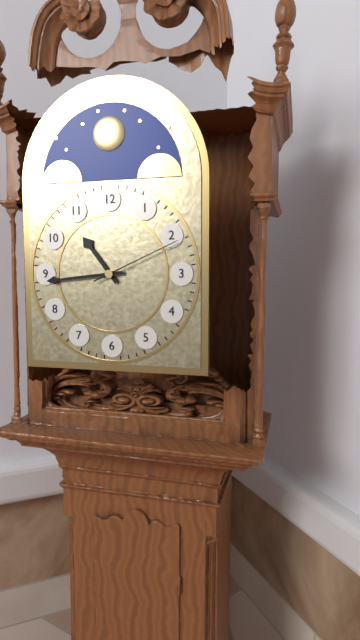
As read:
**10:44:11**
